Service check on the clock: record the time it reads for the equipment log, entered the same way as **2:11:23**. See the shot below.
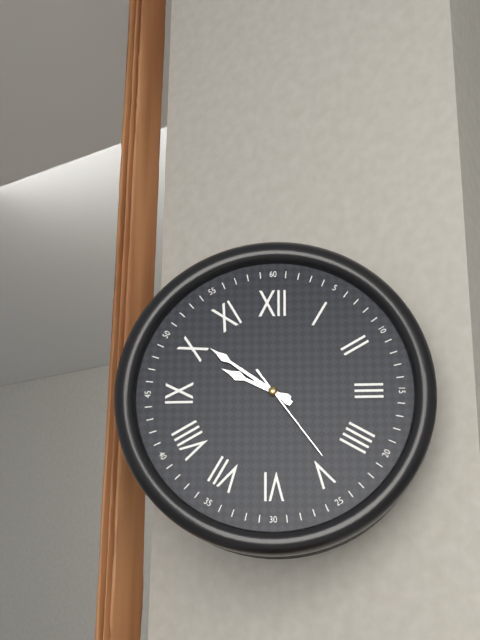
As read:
**9:51:24**
